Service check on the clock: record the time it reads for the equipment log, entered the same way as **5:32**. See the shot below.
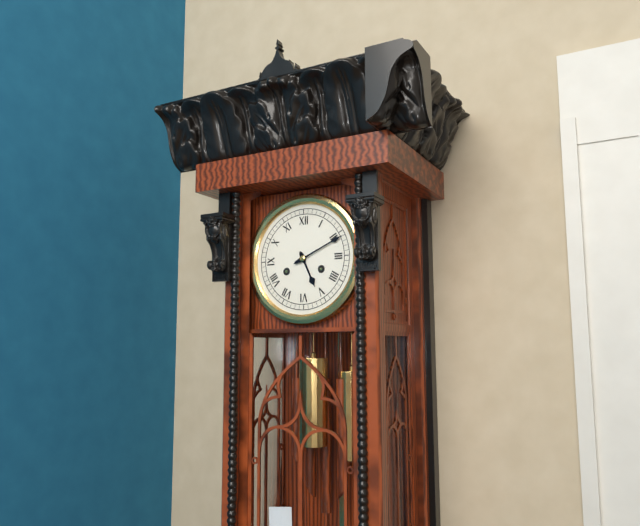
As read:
**5:11**
